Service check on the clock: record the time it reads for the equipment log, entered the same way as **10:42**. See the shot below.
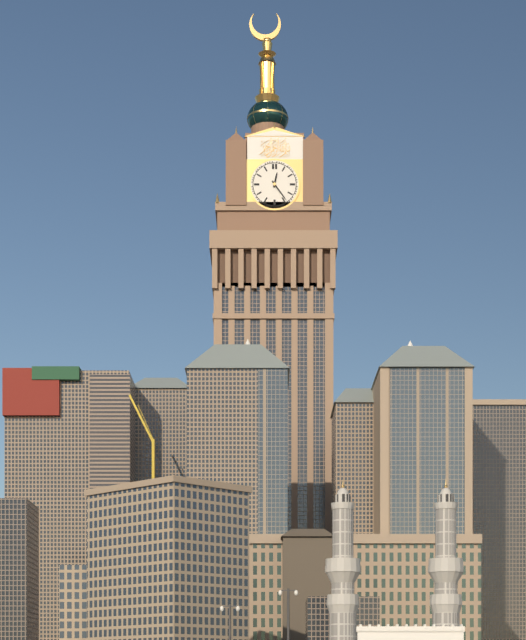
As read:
**12:24**
